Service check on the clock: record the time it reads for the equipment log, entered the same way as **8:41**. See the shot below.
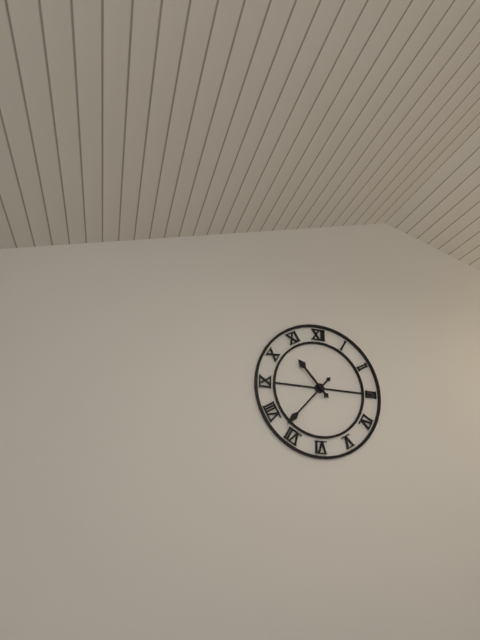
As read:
**10:37**
